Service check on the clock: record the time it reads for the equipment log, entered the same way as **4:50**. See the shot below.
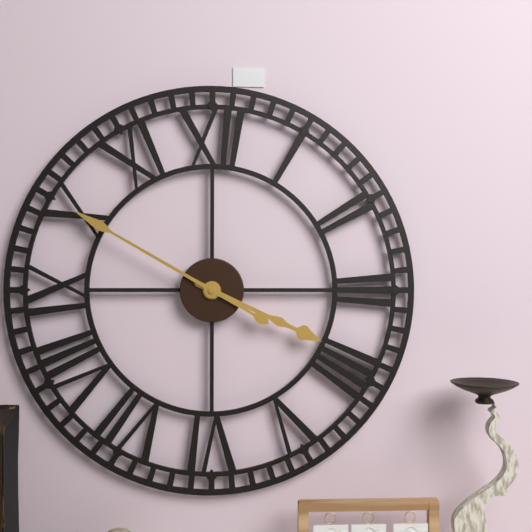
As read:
**3:50**
